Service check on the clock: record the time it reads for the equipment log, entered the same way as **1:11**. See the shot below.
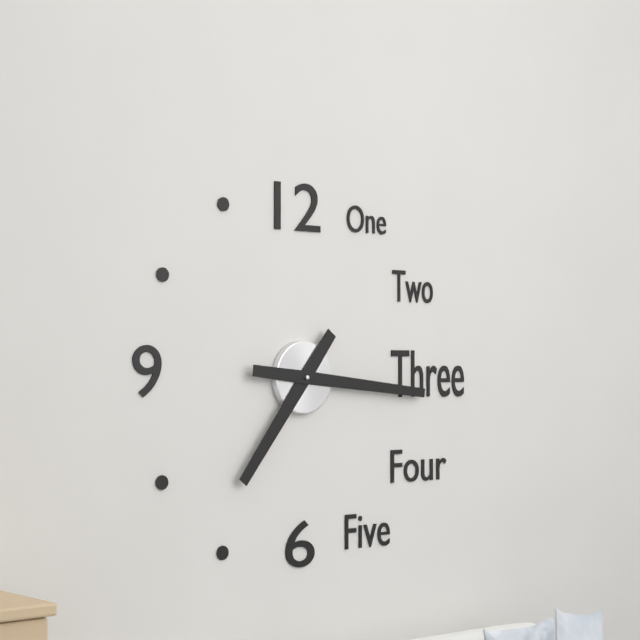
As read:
**7:16**
